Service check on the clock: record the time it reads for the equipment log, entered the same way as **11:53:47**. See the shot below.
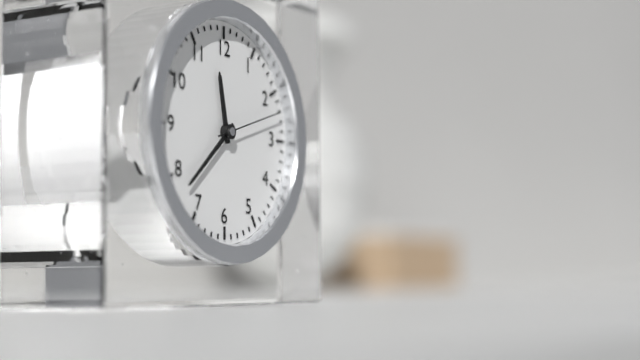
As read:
**11:38:12**
